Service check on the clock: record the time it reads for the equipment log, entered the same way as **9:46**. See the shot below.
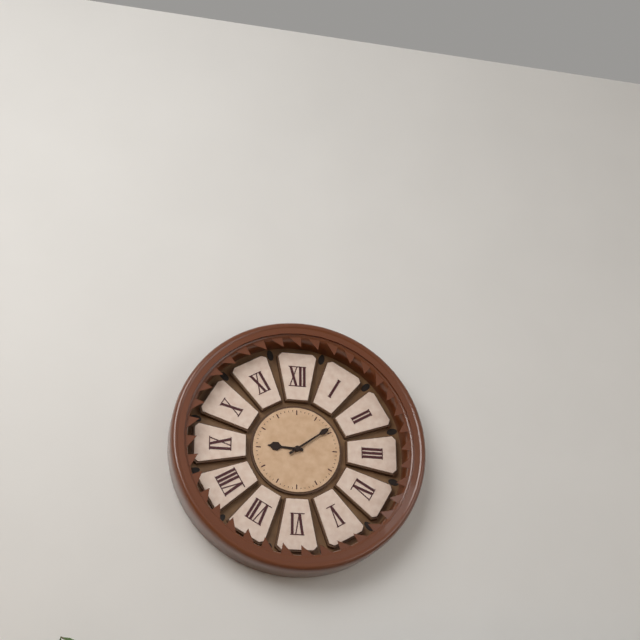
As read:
**9:09**
